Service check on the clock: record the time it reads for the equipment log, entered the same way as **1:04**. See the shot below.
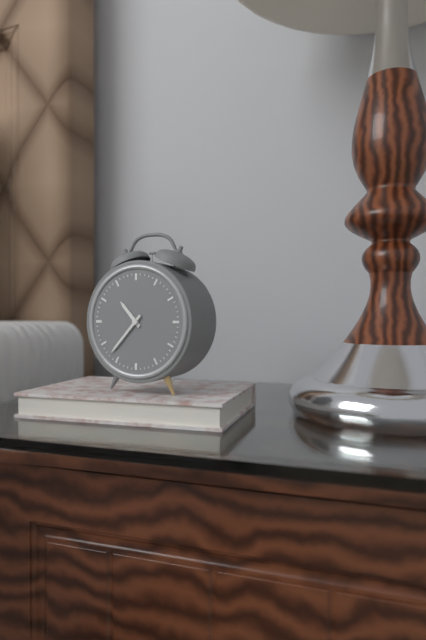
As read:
**10:37**
